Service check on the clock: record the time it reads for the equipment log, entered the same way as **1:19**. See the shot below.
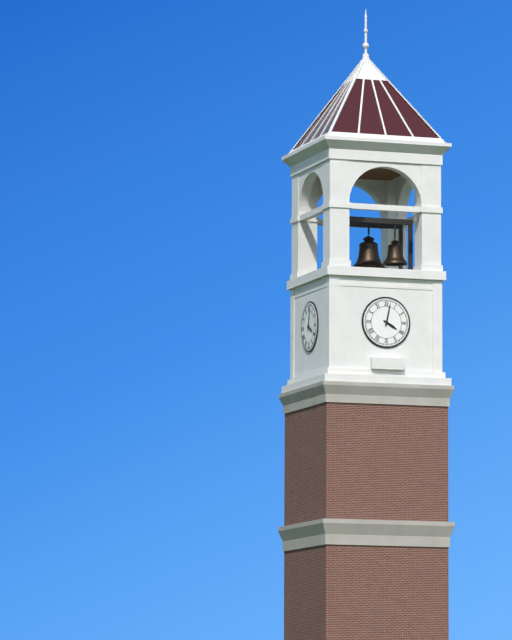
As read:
**4:02**
